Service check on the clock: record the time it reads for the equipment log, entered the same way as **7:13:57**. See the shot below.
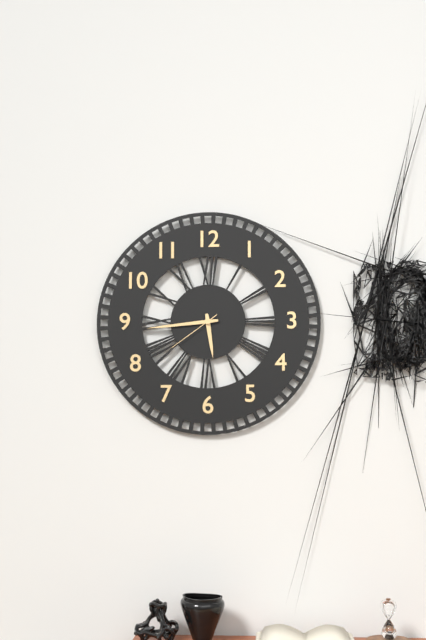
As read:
**5:44:39**
